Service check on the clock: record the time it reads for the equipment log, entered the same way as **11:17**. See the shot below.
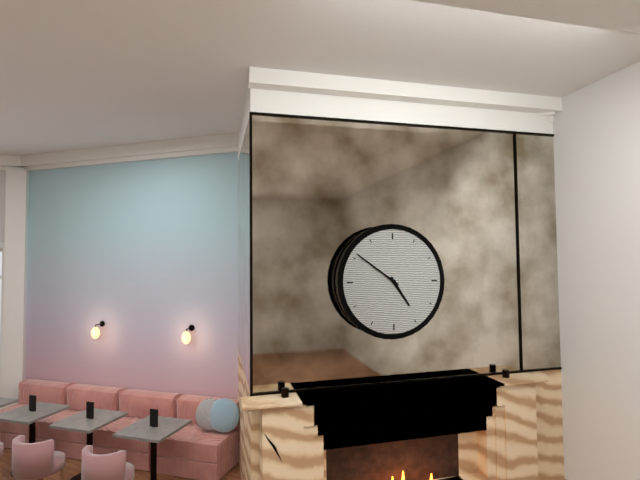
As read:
**4:51**
